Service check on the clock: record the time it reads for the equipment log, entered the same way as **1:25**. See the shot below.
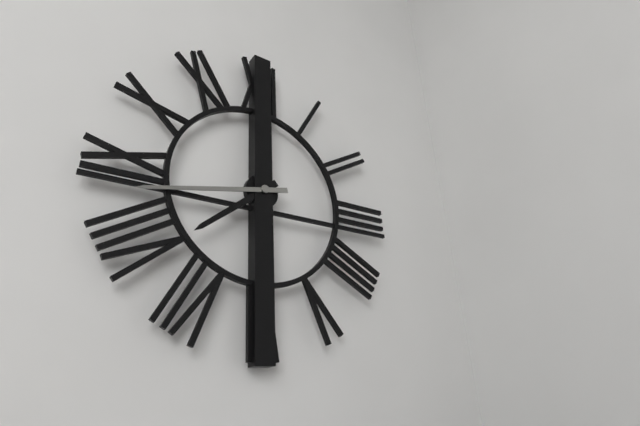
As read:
**7:43**
